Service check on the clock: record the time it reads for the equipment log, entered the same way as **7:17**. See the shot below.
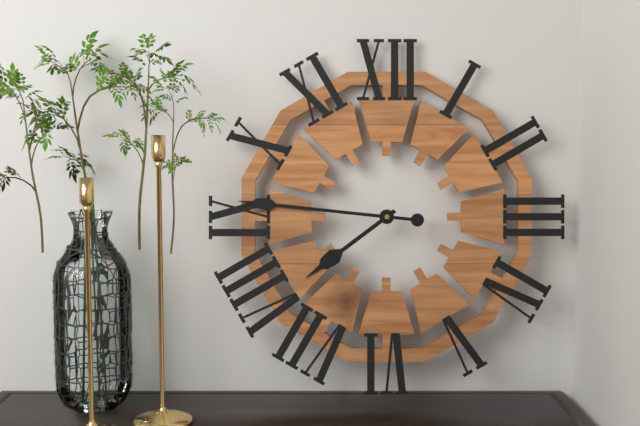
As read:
**7:46**
